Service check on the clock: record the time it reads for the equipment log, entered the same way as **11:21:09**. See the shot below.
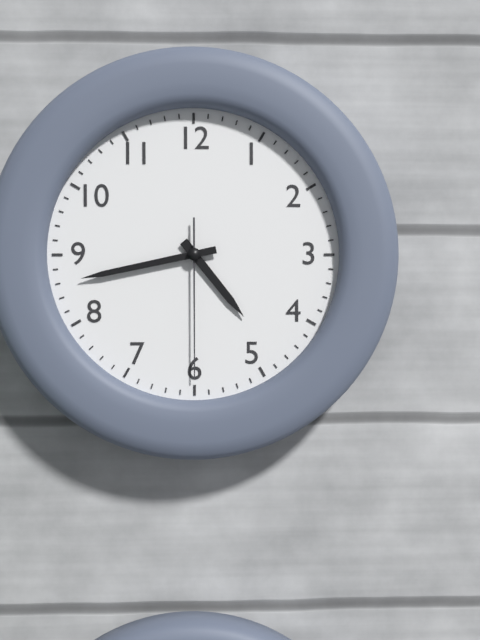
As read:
**4:43:30**
